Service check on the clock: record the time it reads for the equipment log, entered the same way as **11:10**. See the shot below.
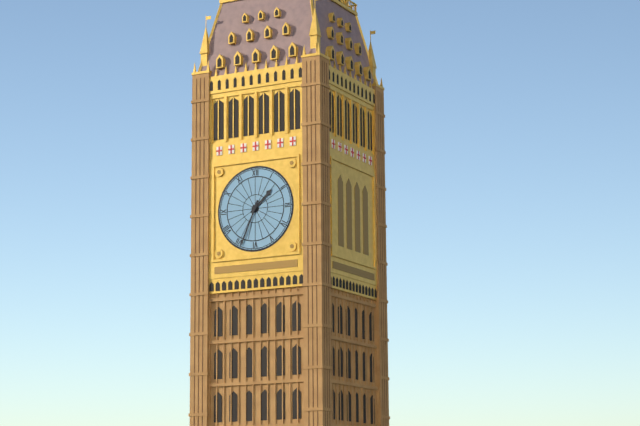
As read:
**1:34**
